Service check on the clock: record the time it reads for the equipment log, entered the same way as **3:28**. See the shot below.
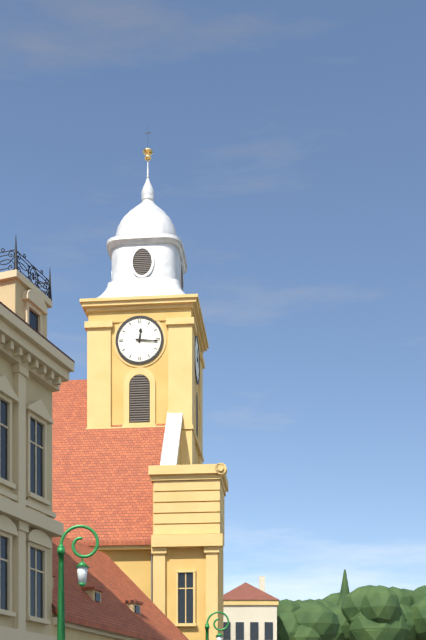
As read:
**12:16**
